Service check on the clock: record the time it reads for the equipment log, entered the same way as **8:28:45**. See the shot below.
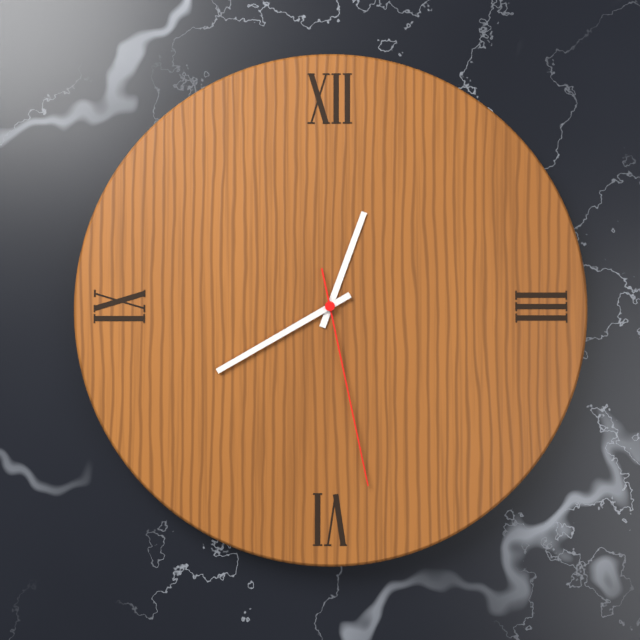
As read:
**12:40:28**
